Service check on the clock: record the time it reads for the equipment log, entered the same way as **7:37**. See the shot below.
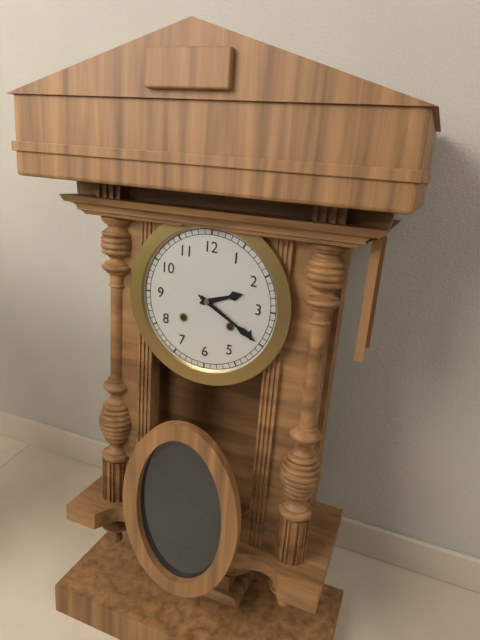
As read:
**2:20**
